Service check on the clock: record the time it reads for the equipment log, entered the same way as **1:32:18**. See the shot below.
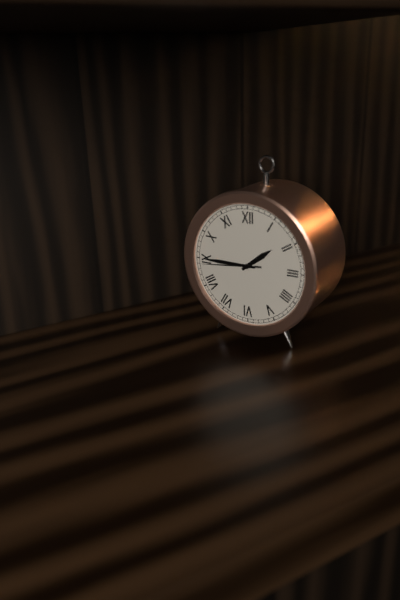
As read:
**1:45:44**
